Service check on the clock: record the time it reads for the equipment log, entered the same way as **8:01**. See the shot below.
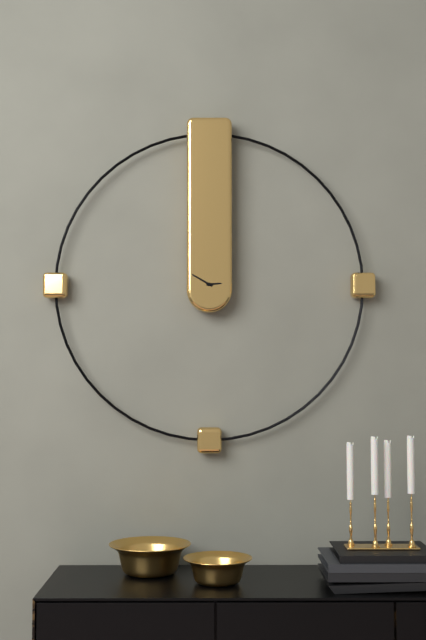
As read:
**2:50**
